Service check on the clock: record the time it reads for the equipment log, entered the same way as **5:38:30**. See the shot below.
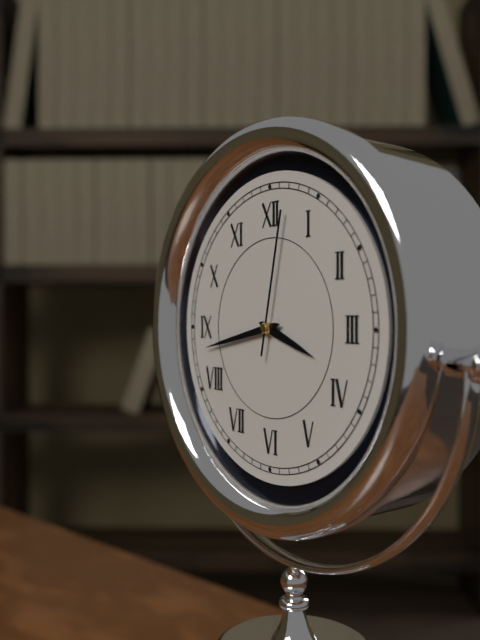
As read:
**3:43:02**
